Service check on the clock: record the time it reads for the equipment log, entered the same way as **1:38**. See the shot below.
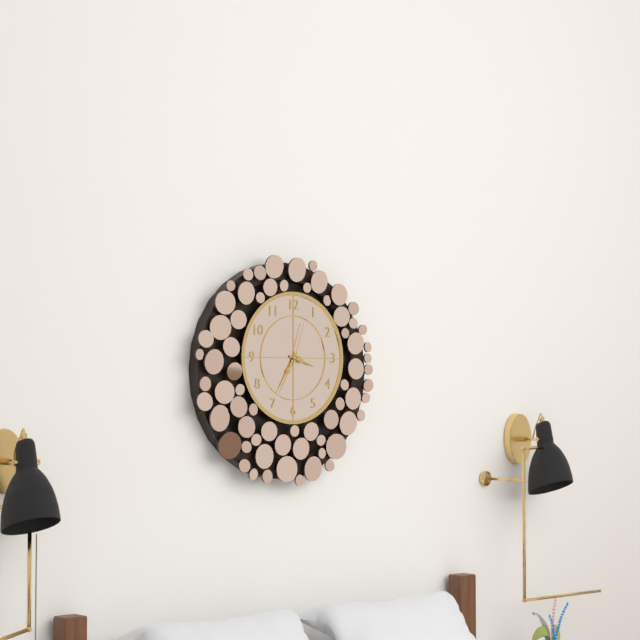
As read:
**3:35**
